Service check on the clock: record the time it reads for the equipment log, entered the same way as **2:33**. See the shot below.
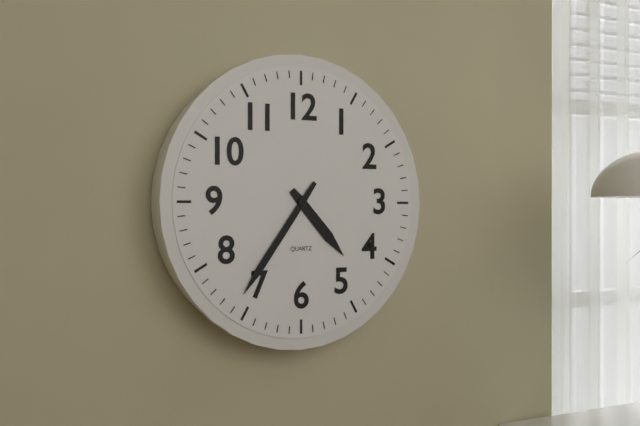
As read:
**4:36**
